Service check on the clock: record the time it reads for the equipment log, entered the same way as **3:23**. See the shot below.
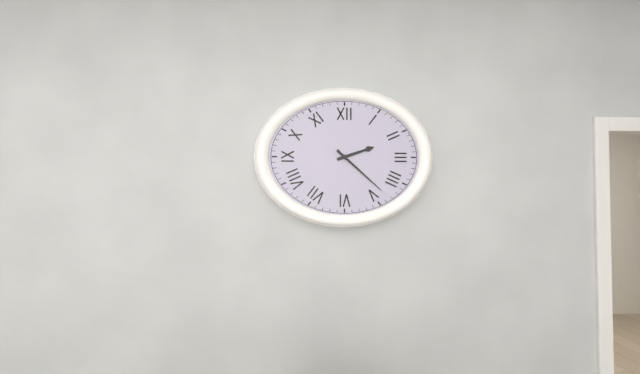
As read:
**2:22**
